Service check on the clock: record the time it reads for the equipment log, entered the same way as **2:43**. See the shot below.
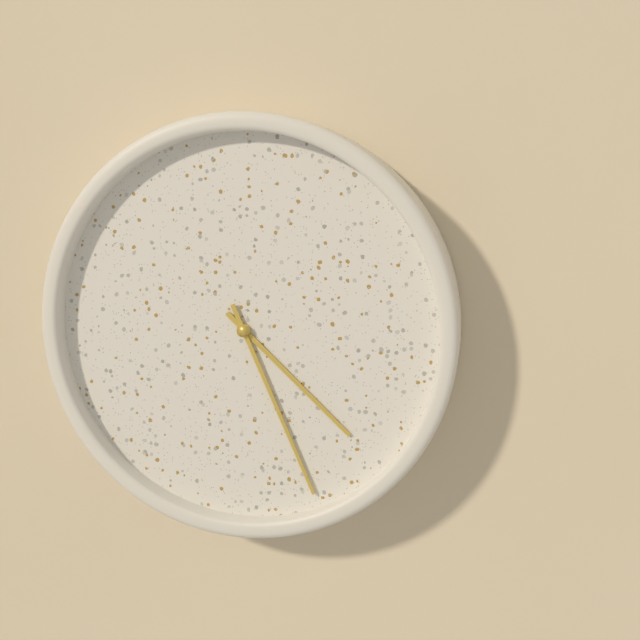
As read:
**4:26**
